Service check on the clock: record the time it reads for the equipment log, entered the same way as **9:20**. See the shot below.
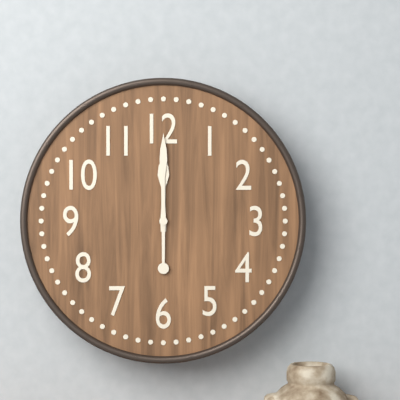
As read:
**12:00**
